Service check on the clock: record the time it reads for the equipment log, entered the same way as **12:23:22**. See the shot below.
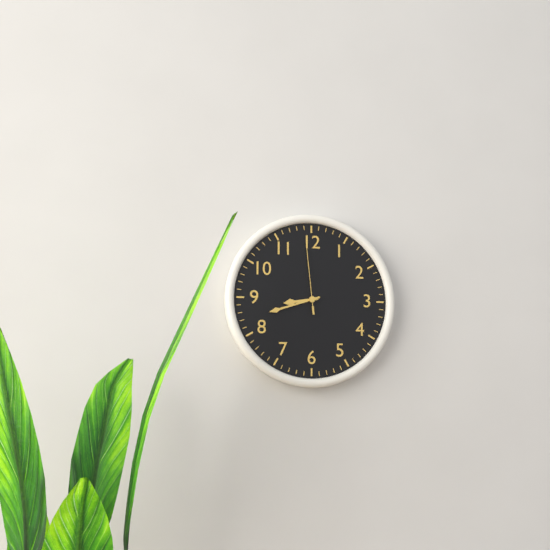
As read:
**8:42:59**
